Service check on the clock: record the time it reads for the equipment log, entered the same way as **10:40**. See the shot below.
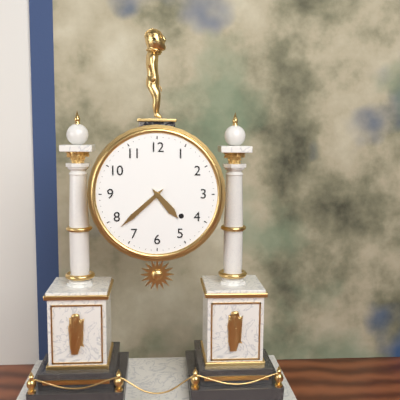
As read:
**4:38**
